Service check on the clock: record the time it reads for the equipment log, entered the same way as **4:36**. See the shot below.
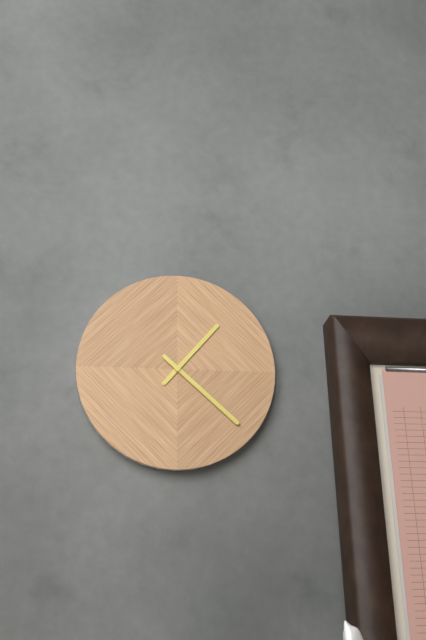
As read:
**1:22**
